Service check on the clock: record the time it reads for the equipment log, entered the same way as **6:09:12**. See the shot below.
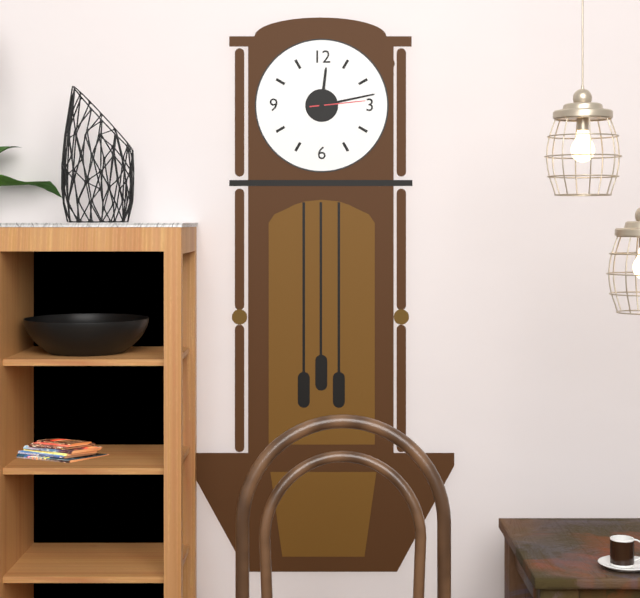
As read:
**12:13:14**
